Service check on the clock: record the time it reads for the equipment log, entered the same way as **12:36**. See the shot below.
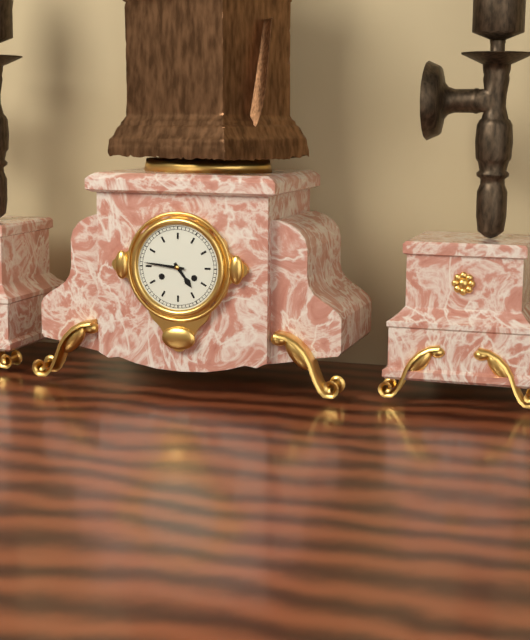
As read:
**4:46**
